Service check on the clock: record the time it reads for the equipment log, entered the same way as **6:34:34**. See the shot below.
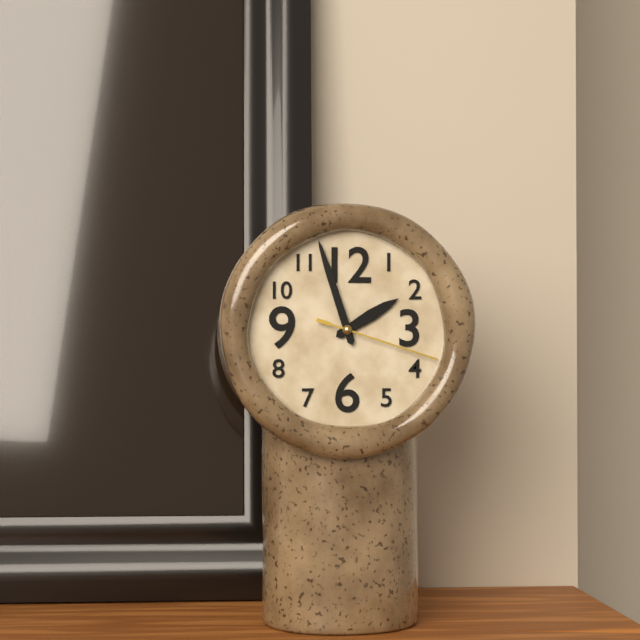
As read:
**1:57:18**
